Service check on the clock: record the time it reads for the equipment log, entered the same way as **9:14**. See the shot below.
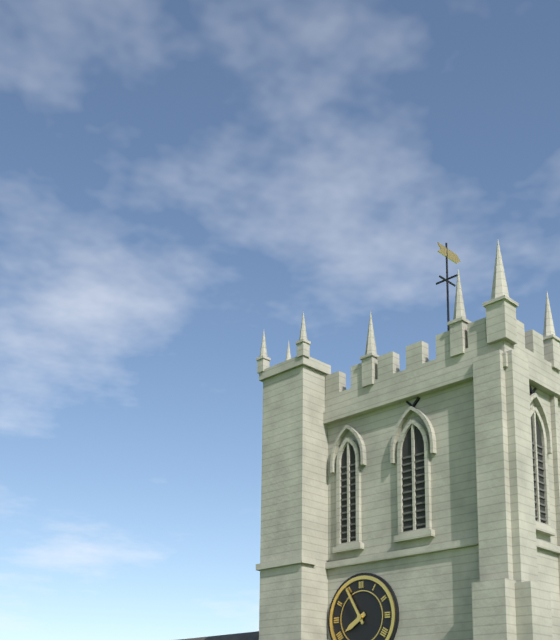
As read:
**7:55**
